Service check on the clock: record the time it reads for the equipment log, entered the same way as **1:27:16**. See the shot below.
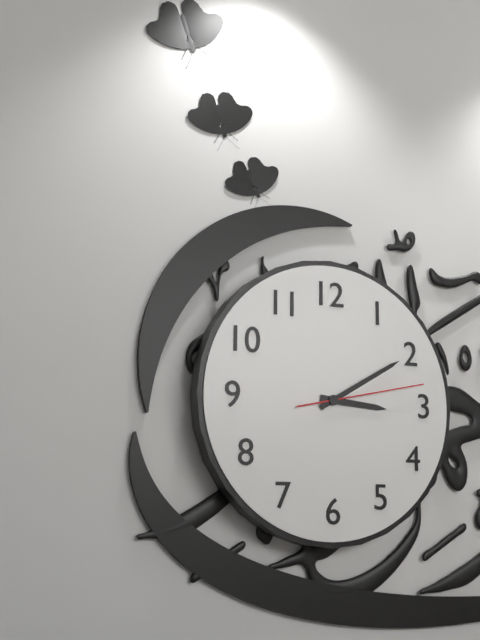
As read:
**3:10:13**
